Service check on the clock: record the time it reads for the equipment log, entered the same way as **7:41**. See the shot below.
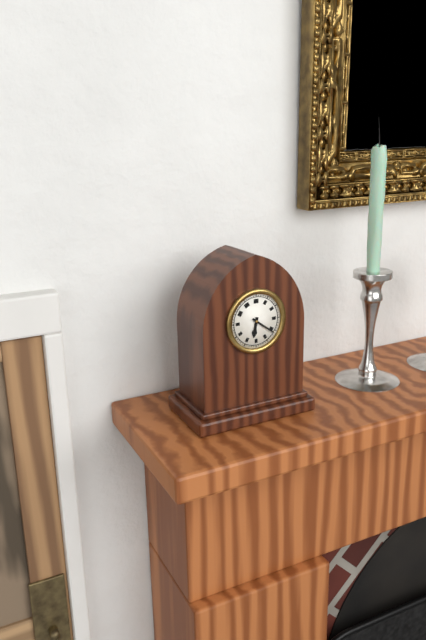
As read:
**6:21**
